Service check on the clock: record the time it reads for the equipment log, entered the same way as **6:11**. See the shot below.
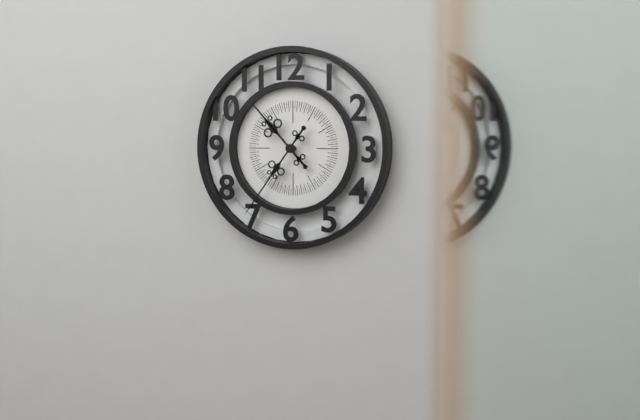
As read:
**10:36**
